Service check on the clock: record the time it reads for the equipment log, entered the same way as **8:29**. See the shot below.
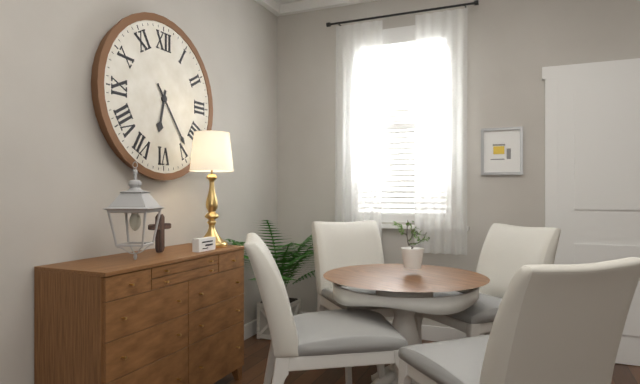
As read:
**6:24**
